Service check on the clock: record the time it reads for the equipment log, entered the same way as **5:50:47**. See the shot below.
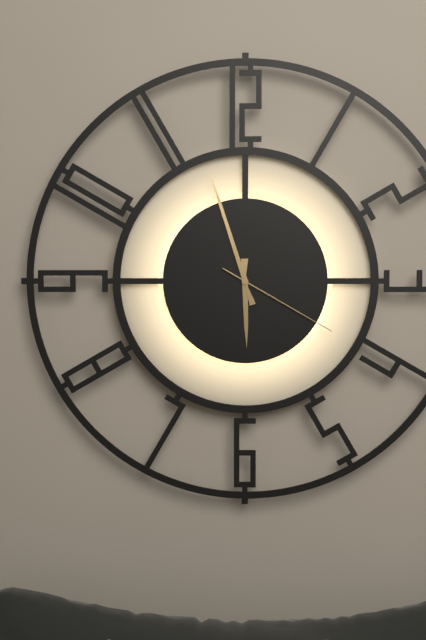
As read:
**5:57:20**
